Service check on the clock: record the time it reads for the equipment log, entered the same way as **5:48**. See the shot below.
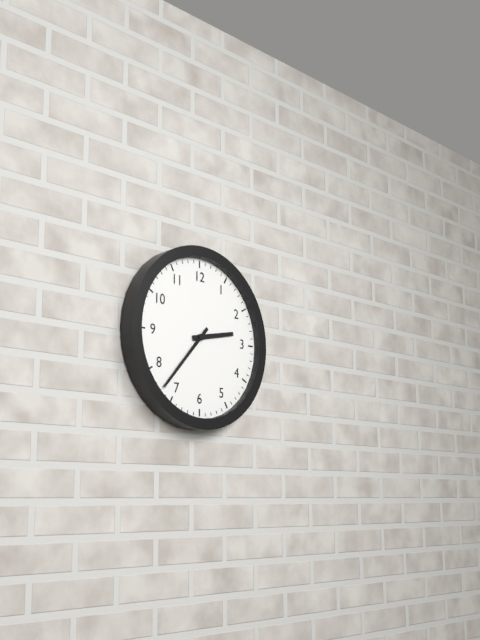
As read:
**2:37**
